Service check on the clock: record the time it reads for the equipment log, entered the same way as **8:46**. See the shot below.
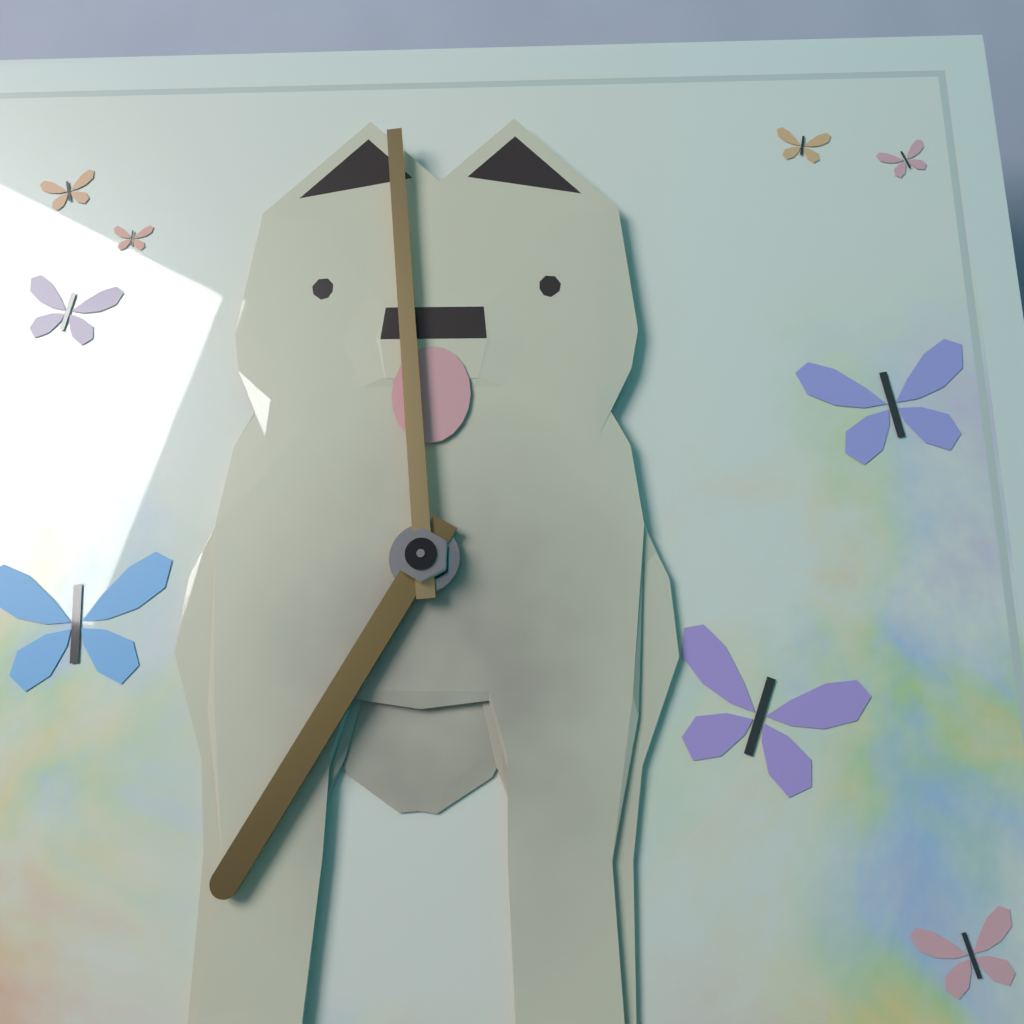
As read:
**6:59**
